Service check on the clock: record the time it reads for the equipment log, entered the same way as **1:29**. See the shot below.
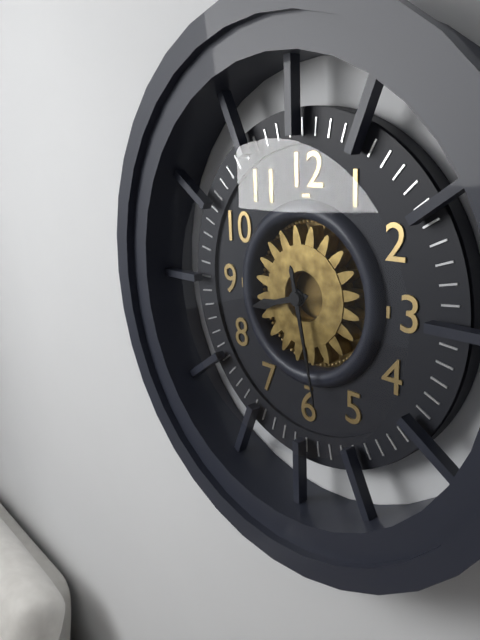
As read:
**8:28**
